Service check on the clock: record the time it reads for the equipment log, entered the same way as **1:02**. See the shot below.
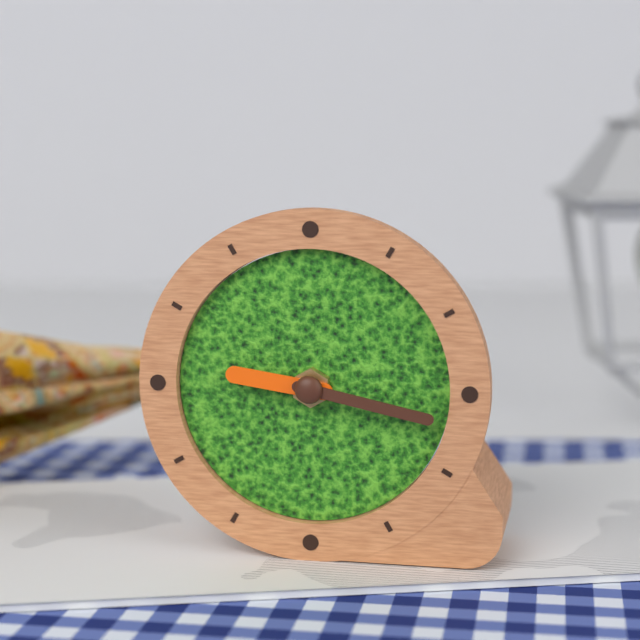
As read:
**9:17**
